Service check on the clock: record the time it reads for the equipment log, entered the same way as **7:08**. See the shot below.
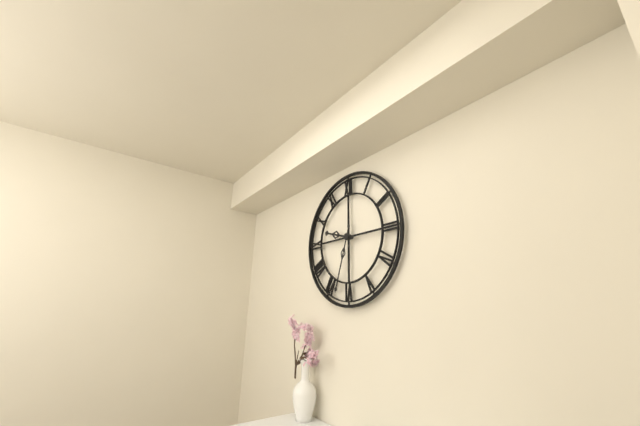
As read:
**9:33**
